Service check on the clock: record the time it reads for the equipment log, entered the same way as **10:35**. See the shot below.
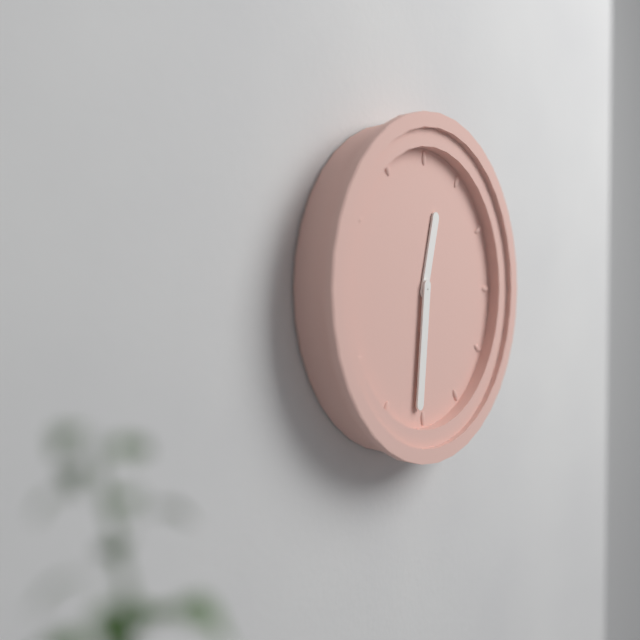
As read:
**12:31**
